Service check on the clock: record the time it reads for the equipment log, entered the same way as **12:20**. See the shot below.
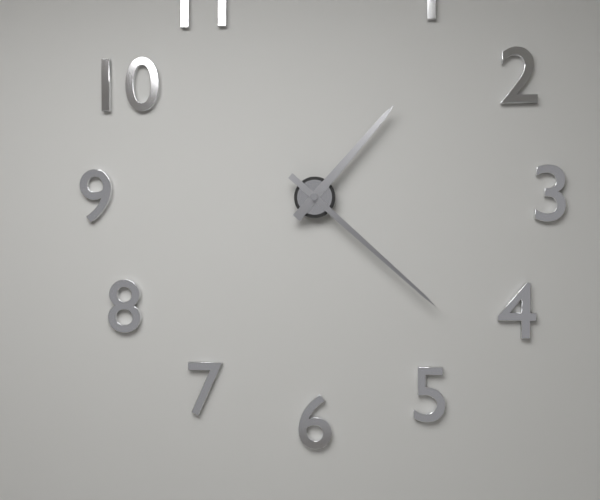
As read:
**1:22**
